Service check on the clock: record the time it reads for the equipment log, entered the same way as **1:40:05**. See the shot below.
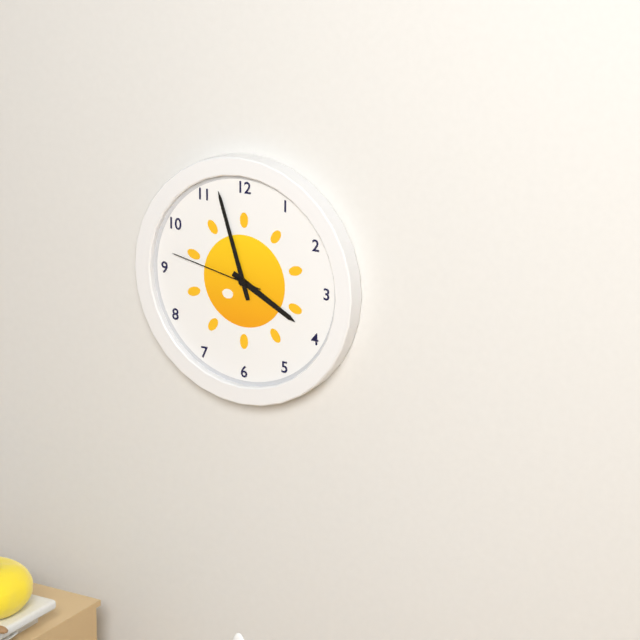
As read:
**3:57:47**
